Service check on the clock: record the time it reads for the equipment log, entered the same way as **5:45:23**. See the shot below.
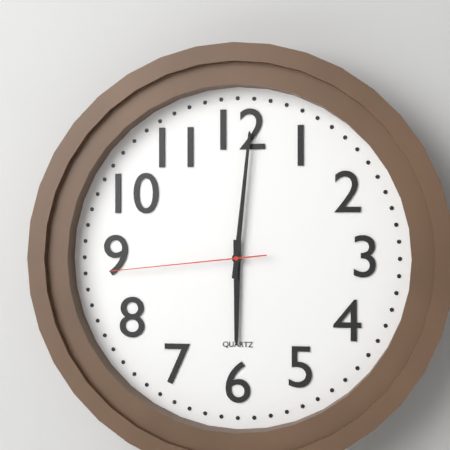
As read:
**6:01:44**
